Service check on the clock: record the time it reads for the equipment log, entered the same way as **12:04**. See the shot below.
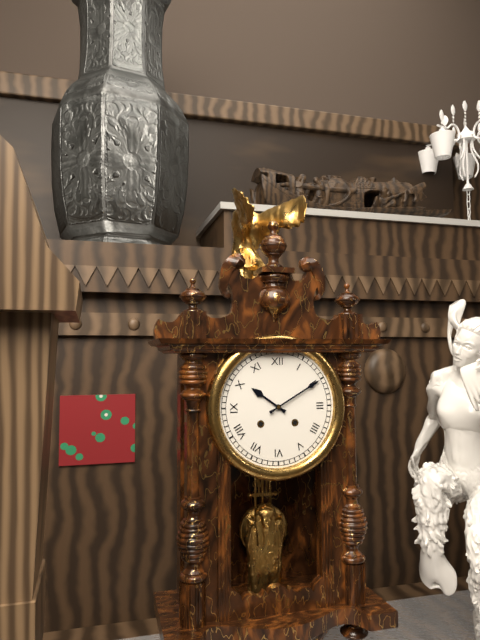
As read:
**10:10**
